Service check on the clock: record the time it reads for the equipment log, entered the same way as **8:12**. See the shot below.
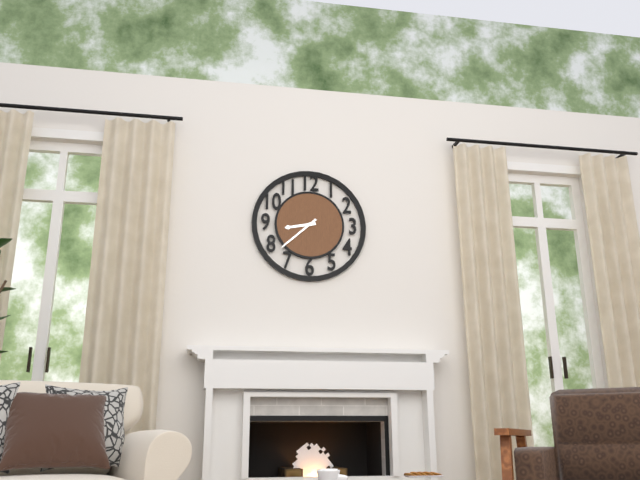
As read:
**8:38**
